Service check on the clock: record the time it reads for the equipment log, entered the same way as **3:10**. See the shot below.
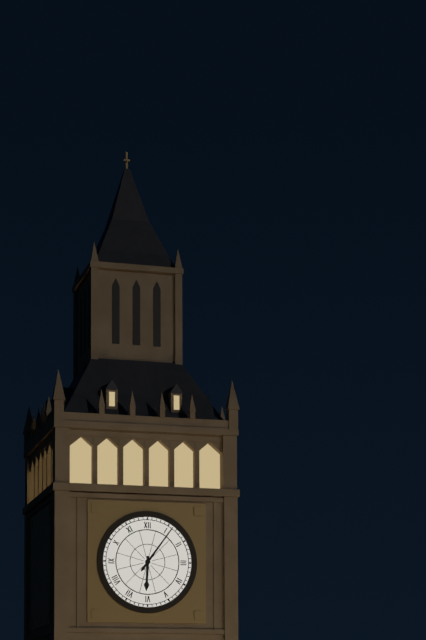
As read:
**6:06**
